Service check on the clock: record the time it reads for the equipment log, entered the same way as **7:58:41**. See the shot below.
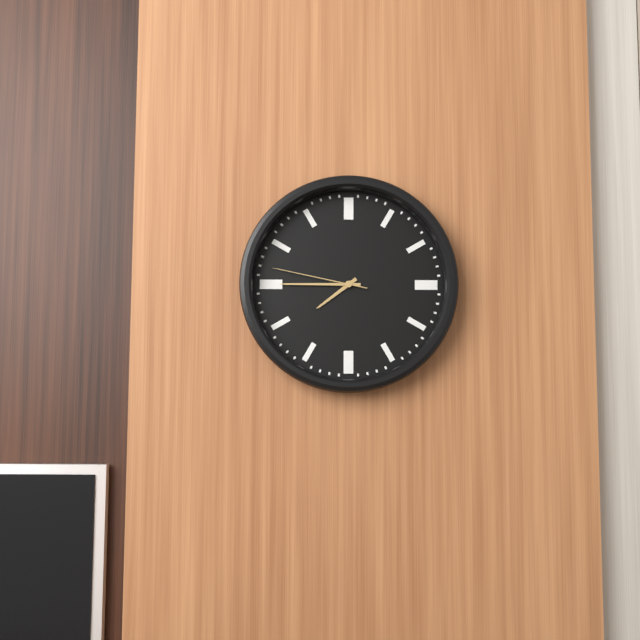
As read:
**7:45:47**
